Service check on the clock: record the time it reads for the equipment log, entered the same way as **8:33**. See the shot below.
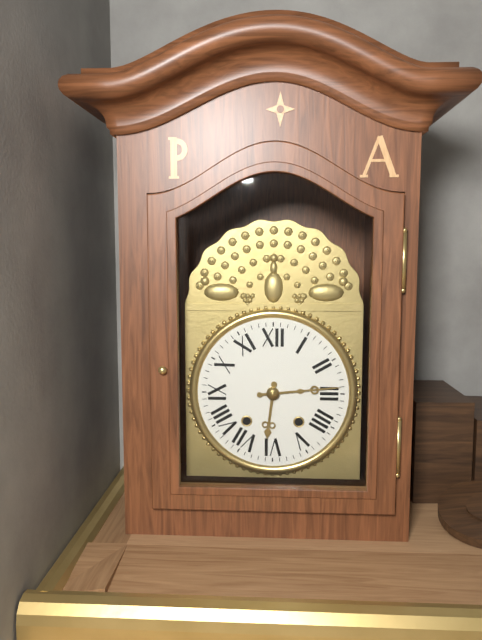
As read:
**6:14**
